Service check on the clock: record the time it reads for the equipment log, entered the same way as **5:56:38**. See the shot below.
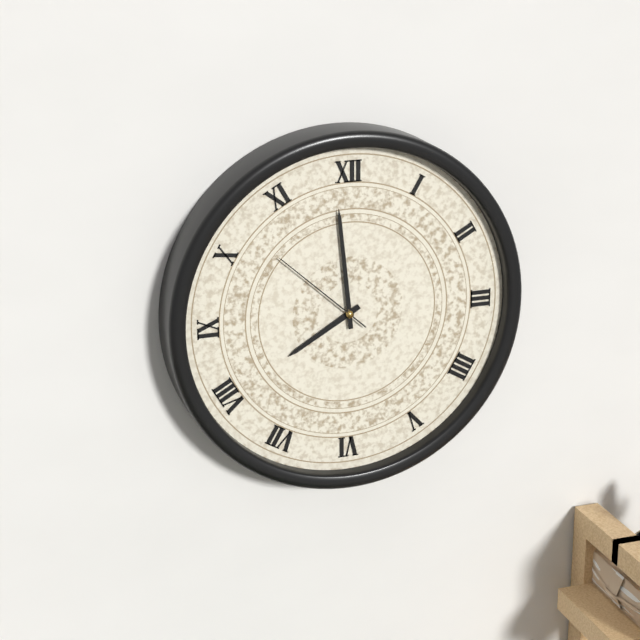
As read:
**7:59:52**
